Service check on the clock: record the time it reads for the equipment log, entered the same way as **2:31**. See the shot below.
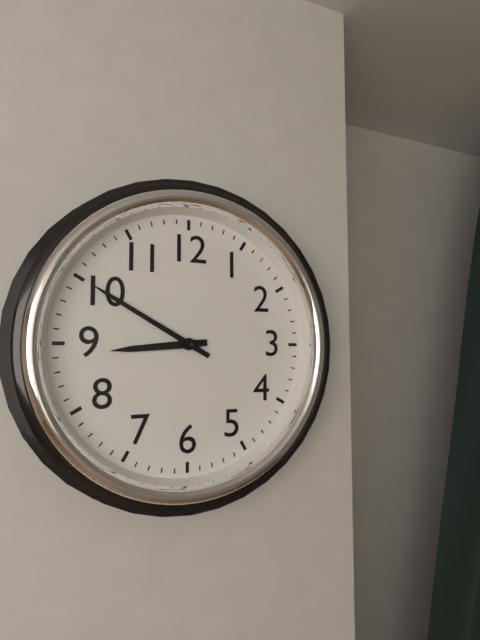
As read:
**8:50**
